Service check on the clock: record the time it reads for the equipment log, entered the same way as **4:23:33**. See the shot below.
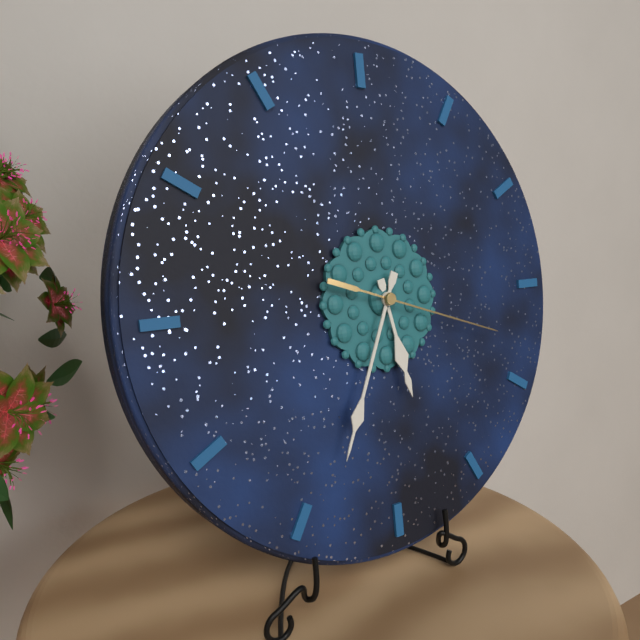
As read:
**5:34:18**
